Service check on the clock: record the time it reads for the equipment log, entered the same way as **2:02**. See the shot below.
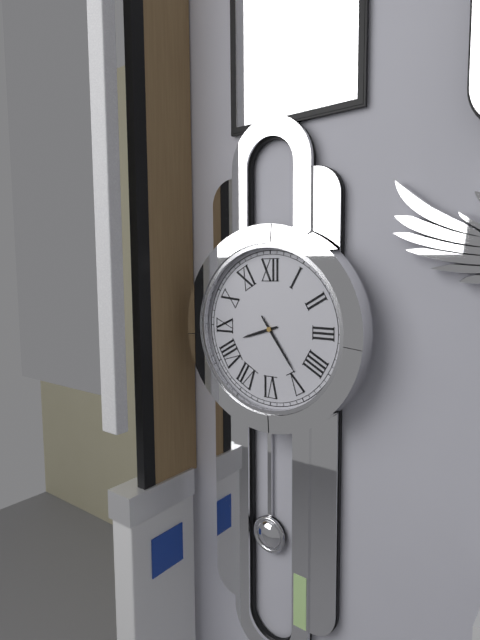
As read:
**8:24**
